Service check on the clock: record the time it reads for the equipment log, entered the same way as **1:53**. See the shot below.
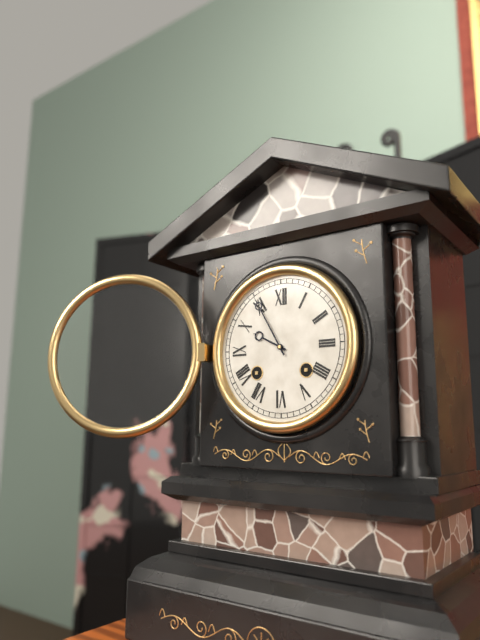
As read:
**9:55**
